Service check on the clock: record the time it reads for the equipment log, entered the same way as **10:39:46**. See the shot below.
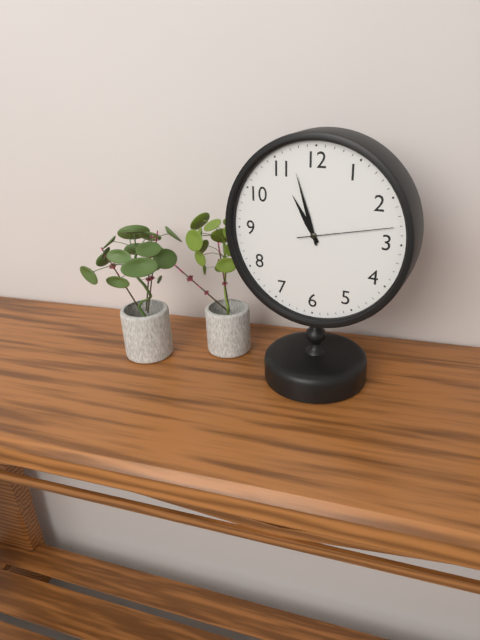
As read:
**10:57:13**
